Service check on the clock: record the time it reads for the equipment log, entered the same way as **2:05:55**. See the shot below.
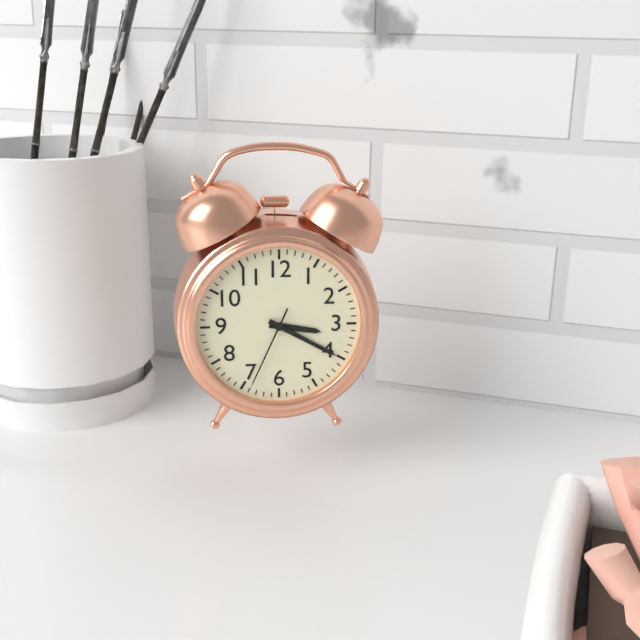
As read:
**3:20:34**
